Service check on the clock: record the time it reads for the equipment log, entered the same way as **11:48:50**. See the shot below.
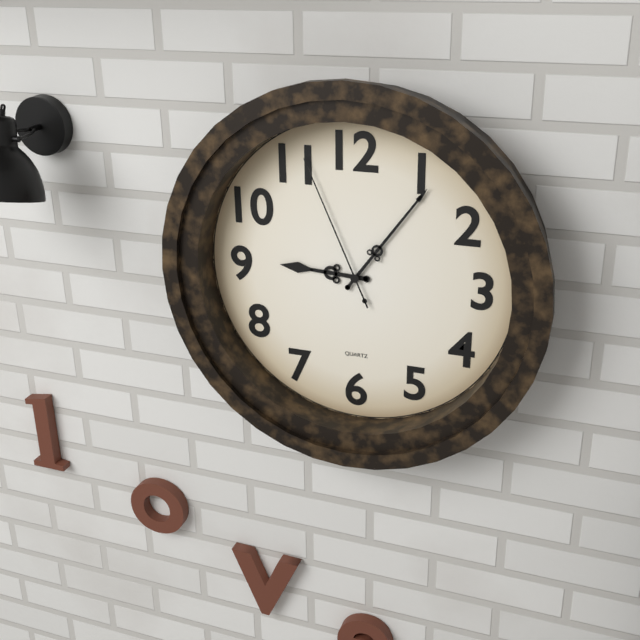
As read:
**9:06:56**
